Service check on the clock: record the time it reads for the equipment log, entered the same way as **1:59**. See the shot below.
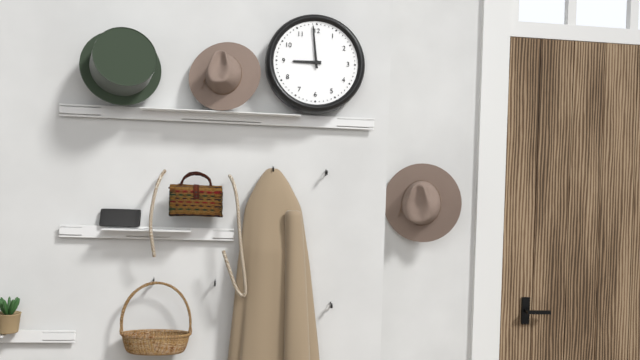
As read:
**8:59**
